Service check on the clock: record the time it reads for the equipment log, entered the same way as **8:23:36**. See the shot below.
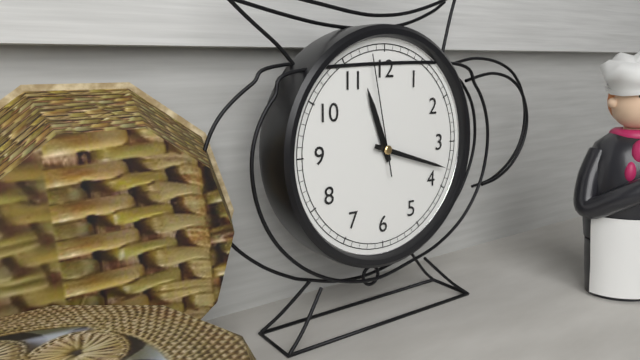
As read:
**11:18:58**
